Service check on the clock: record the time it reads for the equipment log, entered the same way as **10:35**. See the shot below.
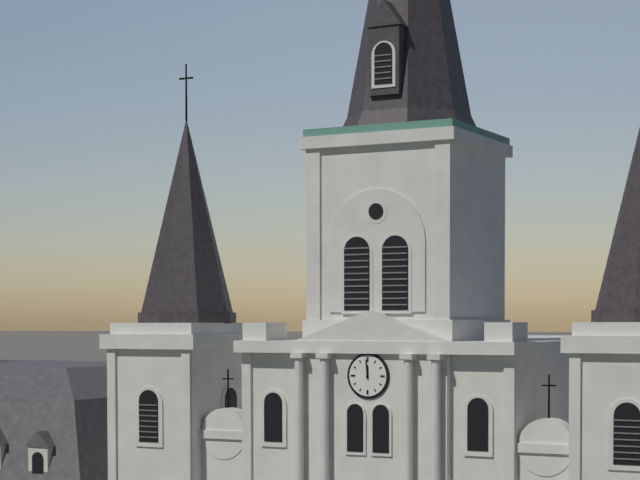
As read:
**11:59**
